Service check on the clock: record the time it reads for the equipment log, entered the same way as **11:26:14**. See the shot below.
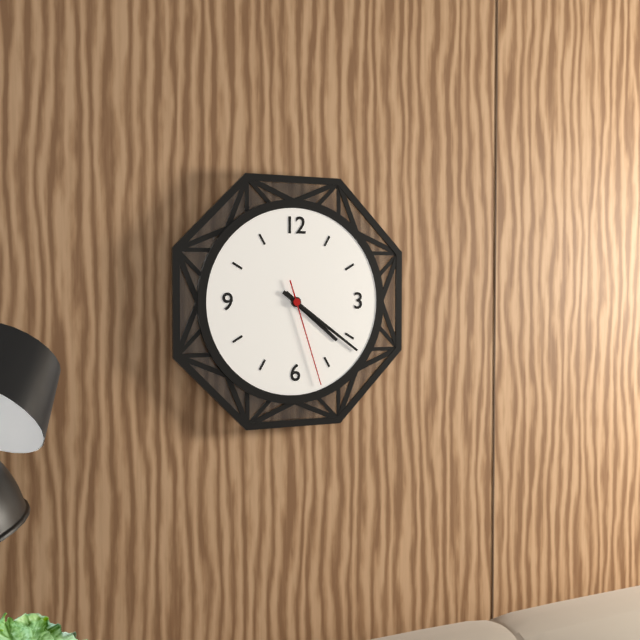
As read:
**4:21:27**
